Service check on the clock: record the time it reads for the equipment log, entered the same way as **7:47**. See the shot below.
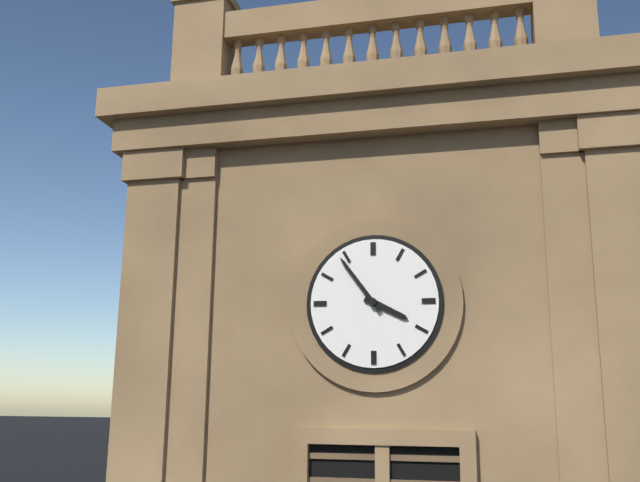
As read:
**3:54**
